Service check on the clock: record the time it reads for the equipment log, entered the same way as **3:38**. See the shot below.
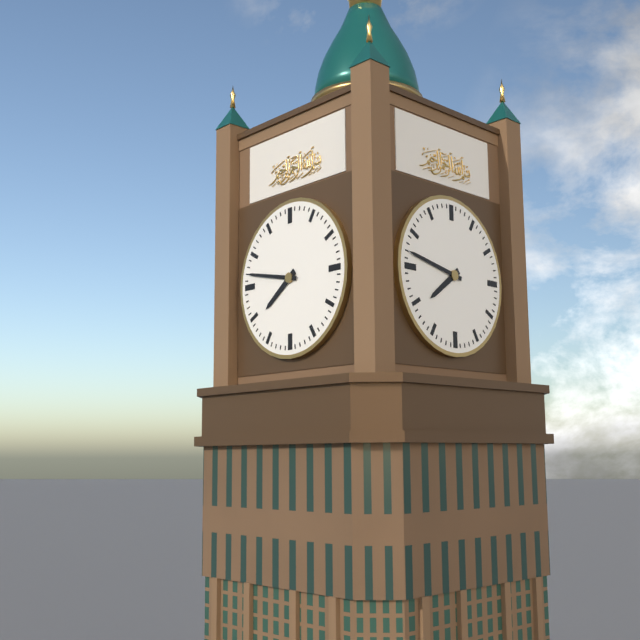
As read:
**7:47**
